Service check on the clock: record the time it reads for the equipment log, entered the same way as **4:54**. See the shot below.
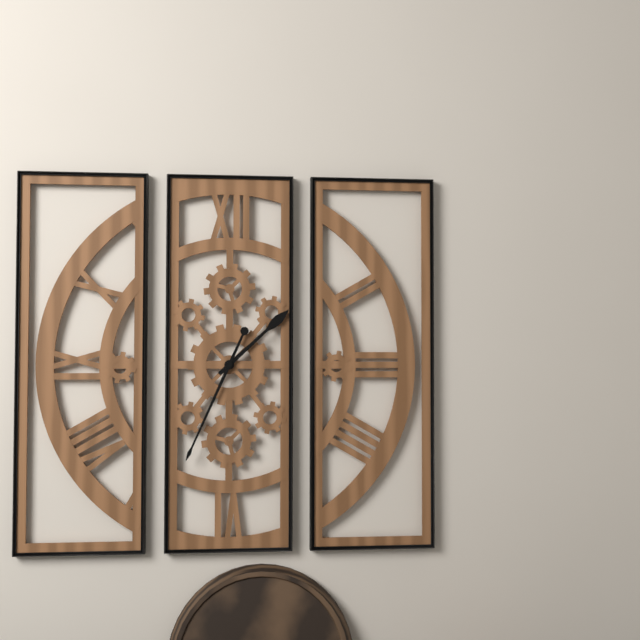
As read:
**1:34**
